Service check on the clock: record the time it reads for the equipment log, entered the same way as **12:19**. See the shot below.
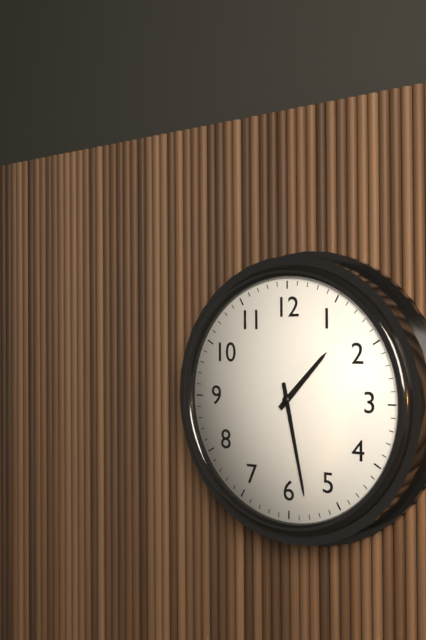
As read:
**1:28**
